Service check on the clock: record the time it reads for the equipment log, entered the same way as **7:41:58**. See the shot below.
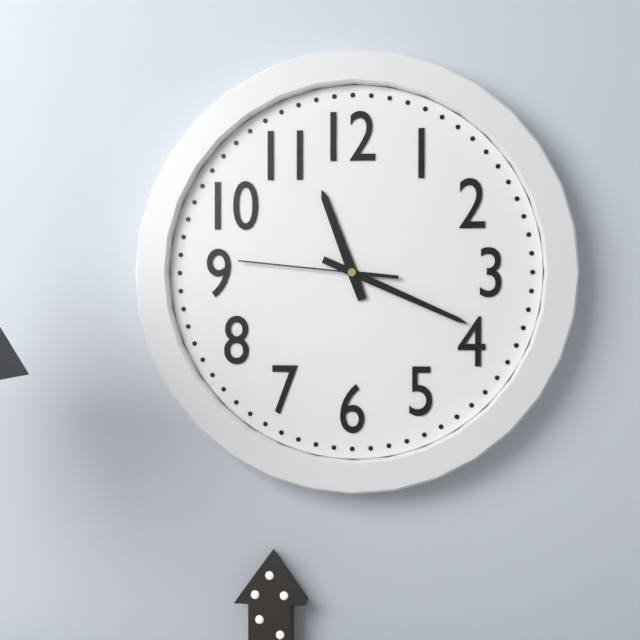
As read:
**11:19:46**
